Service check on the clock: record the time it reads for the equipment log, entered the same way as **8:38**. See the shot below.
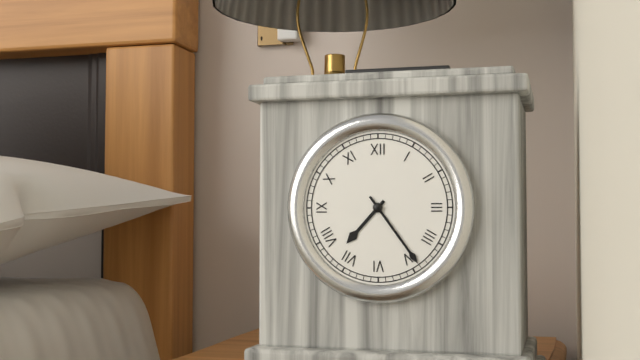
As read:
**7:24**
